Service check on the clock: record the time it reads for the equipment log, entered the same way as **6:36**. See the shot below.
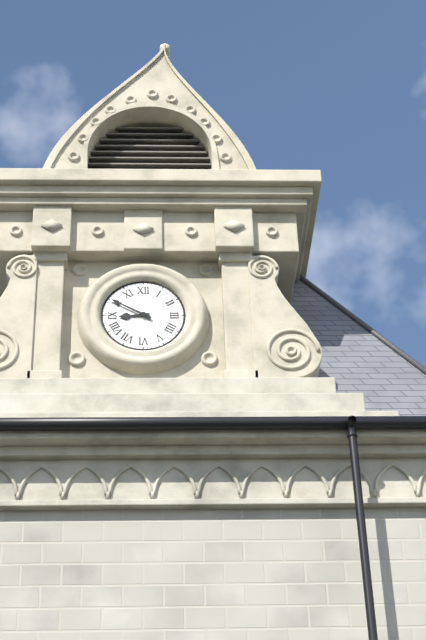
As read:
**8:50**
